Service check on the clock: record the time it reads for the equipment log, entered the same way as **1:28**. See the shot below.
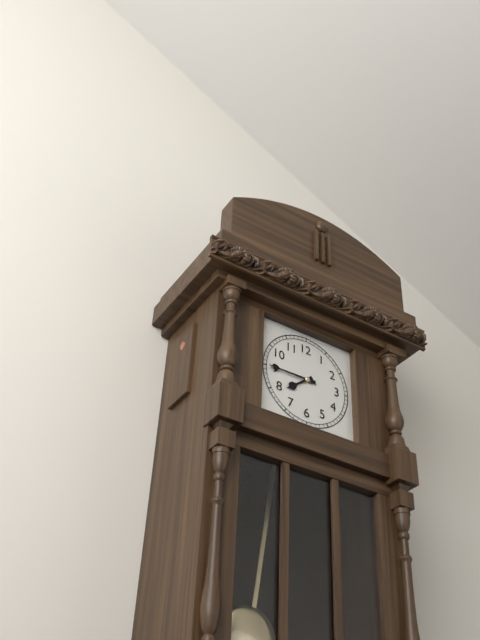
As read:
**7:45**
